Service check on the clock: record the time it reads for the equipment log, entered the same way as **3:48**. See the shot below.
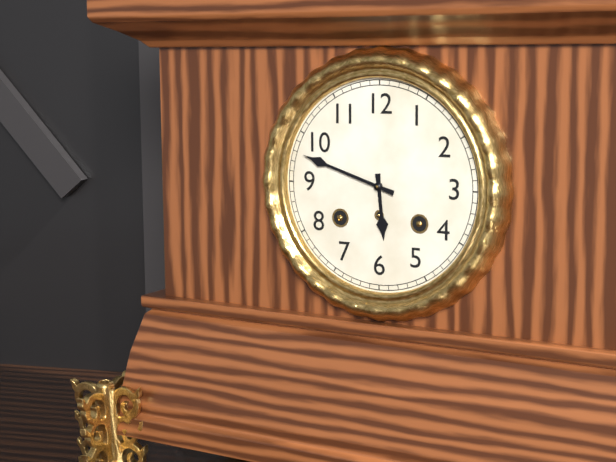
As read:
**5:48**
